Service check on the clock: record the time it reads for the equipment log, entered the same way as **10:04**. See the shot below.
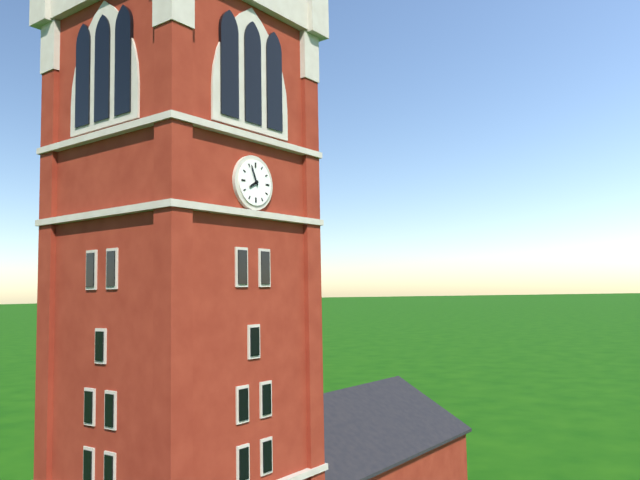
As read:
**7:56**
